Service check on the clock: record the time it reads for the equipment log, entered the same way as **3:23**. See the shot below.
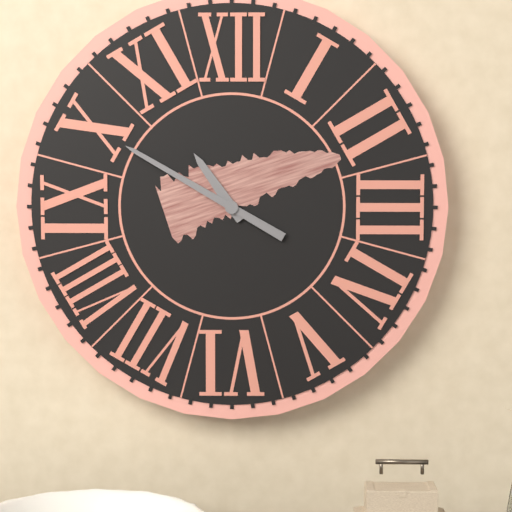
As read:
**10:50**
